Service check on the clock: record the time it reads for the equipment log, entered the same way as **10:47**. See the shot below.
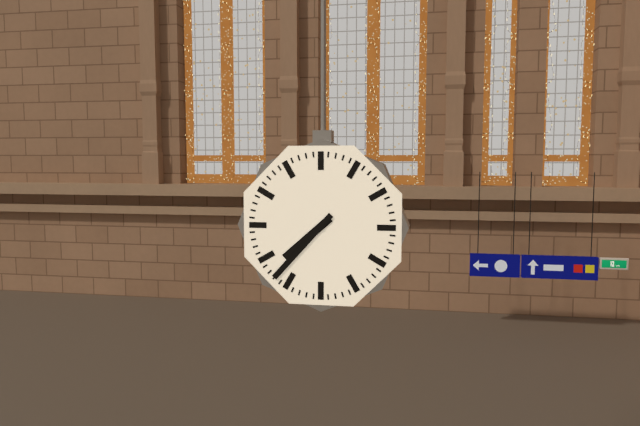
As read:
**7:37**
